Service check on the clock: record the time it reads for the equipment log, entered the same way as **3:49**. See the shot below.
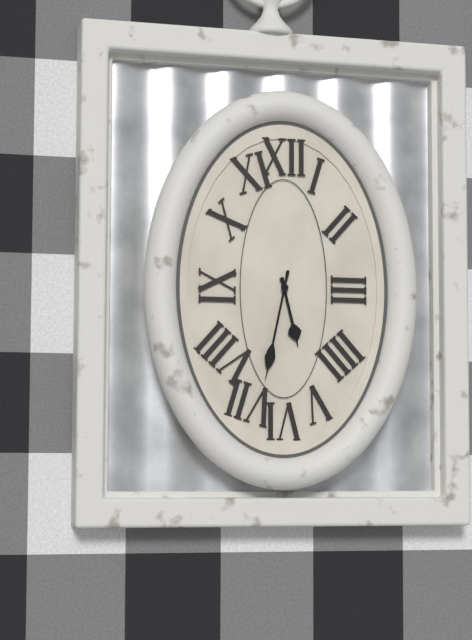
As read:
**5:32**
